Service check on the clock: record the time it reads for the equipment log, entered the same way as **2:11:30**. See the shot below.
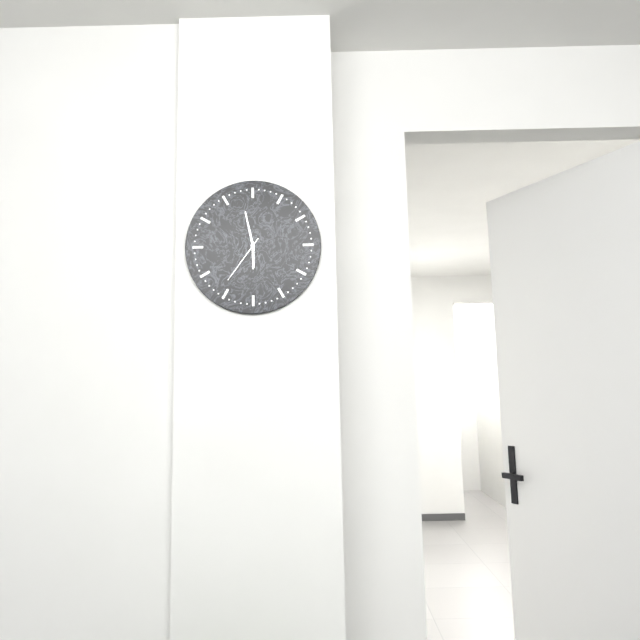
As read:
**5:58:36**
